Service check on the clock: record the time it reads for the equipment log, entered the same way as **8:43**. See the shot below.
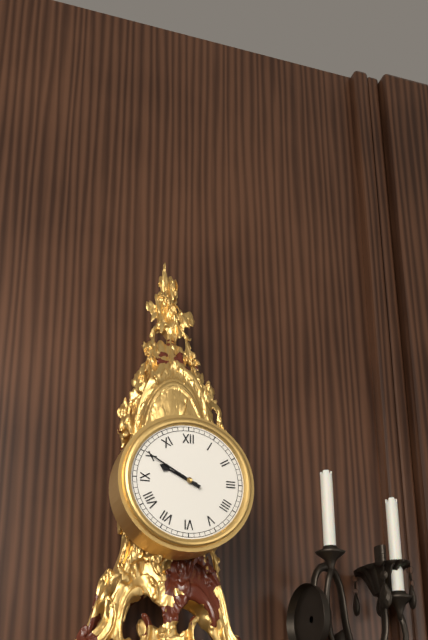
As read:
**9:50**
